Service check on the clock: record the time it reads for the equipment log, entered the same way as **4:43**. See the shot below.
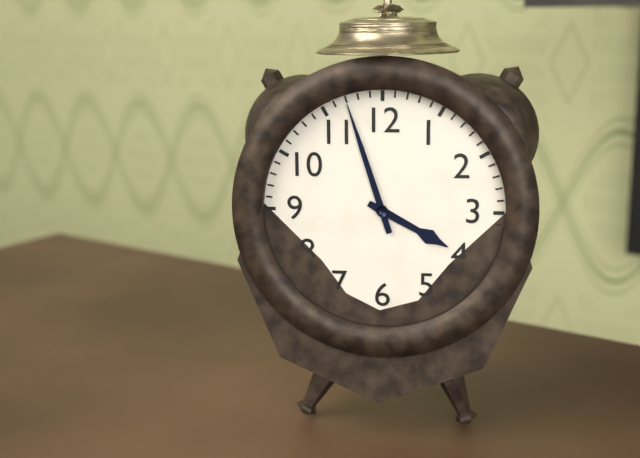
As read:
**3:57**
